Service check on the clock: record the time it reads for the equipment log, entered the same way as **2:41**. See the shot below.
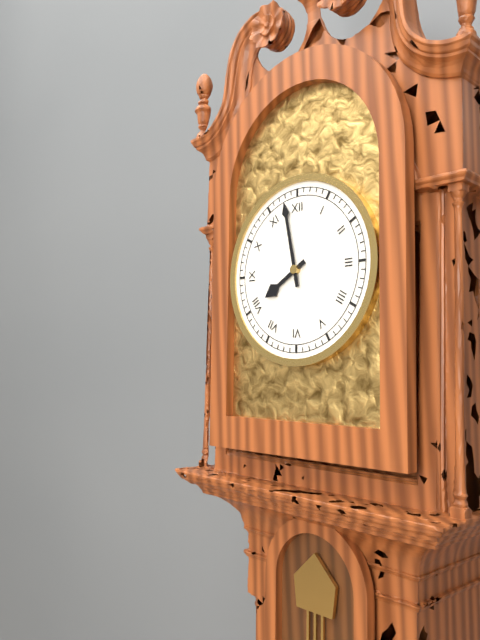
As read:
**7:58**
